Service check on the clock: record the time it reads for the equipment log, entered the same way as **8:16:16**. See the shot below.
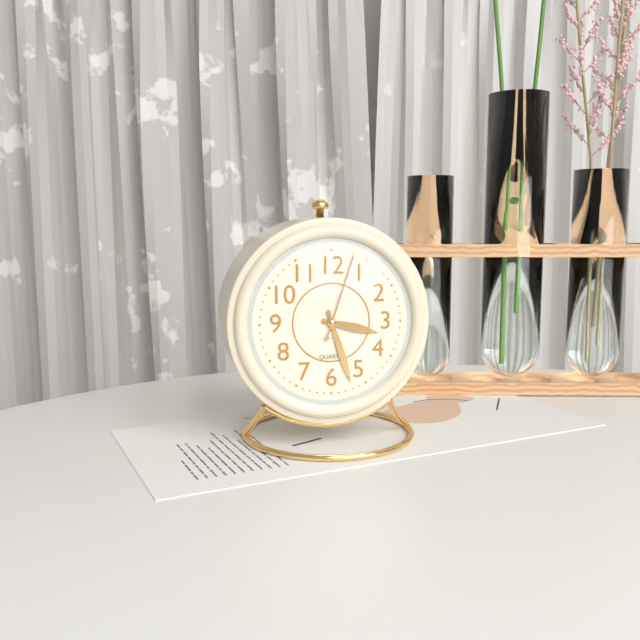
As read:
**3:27:03**
